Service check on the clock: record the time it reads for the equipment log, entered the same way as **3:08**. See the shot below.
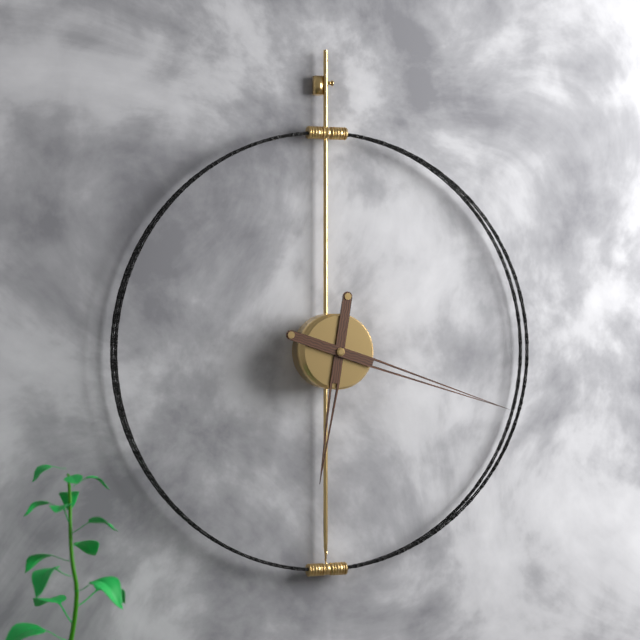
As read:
**6:18**
